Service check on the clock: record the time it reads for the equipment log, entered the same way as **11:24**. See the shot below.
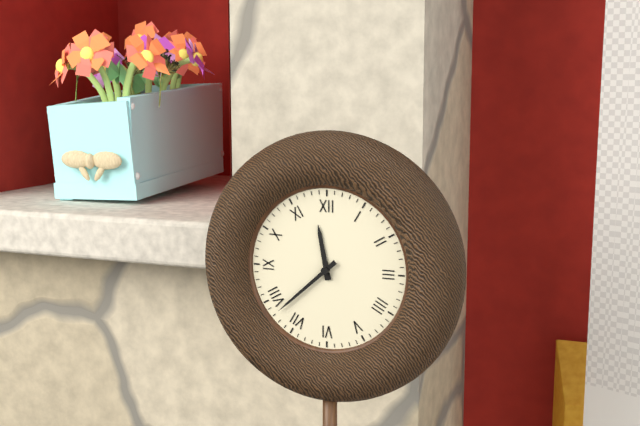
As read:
**11:38**
